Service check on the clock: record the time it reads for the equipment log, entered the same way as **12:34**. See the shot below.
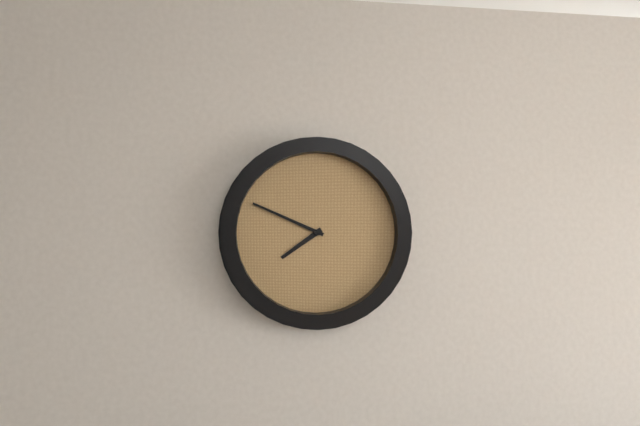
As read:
**7:49**
